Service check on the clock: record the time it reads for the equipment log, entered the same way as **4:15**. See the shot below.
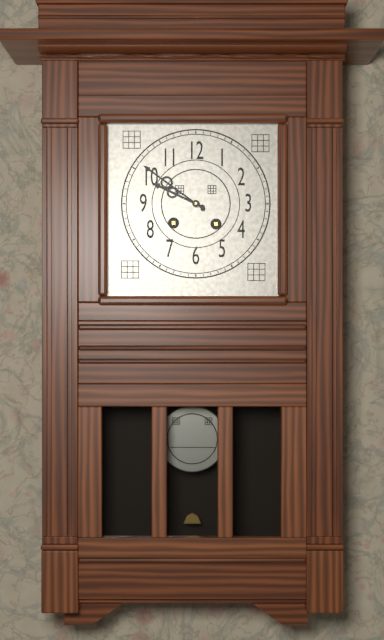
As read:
**9:51**
